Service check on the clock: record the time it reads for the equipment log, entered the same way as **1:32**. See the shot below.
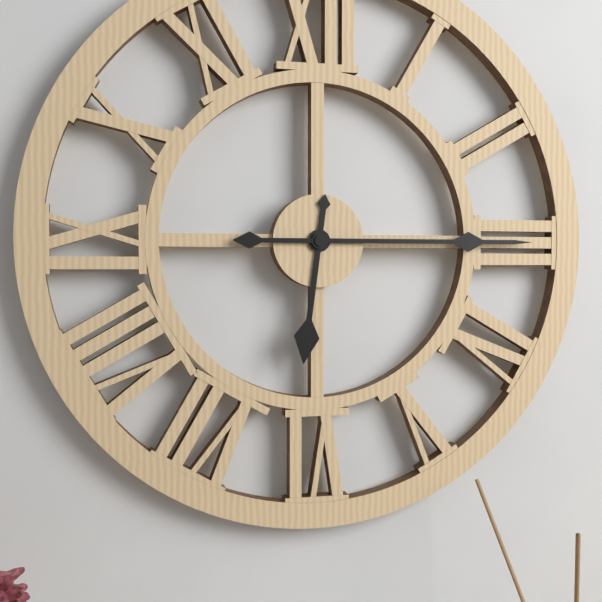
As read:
**6:15**
